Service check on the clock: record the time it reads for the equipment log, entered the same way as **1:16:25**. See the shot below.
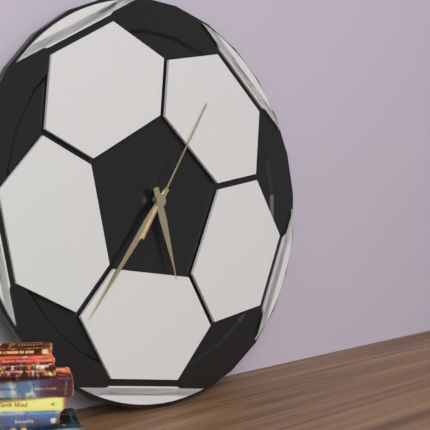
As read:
**5:37:06**
